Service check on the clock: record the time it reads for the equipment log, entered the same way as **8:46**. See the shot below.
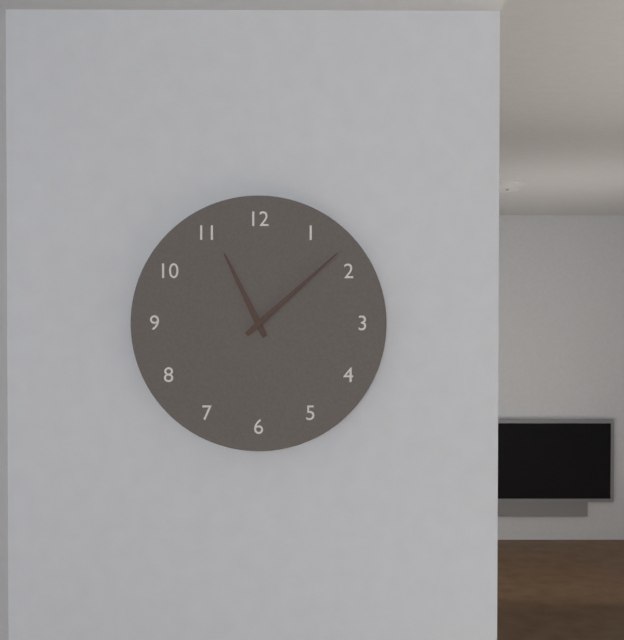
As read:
**11:08**
